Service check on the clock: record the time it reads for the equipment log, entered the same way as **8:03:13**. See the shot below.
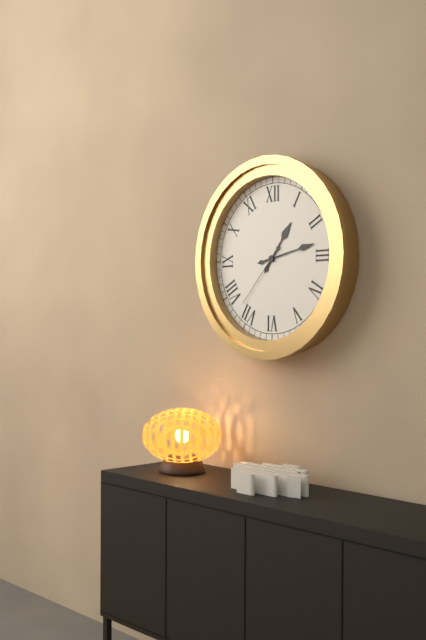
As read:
**1:13:37**
